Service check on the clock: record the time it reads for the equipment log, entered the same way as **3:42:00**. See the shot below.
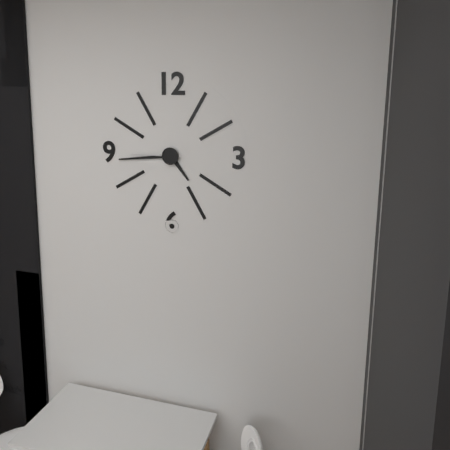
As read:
**4:44:45**
